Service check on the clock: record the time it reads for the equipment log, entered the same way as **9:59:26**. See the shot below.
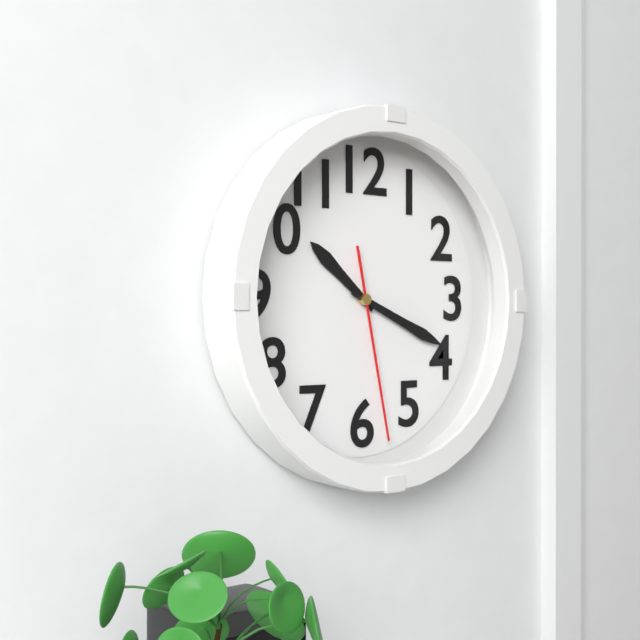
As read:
**10:19:28**
